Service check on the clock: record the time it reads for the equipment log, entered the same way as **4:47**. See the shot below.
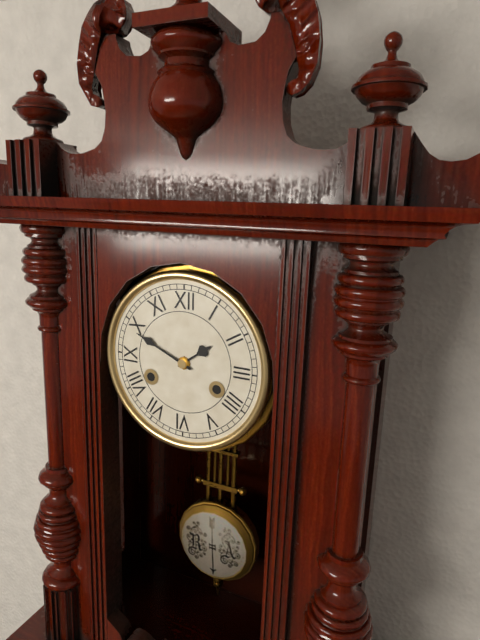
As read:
**1:49**
